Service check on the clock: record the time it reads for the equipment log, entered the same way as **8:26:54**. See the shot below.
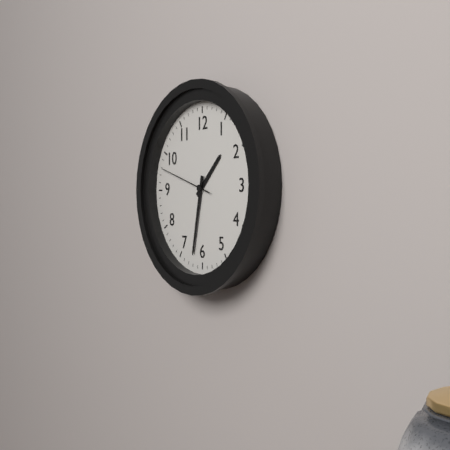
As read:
**1:32:48**
